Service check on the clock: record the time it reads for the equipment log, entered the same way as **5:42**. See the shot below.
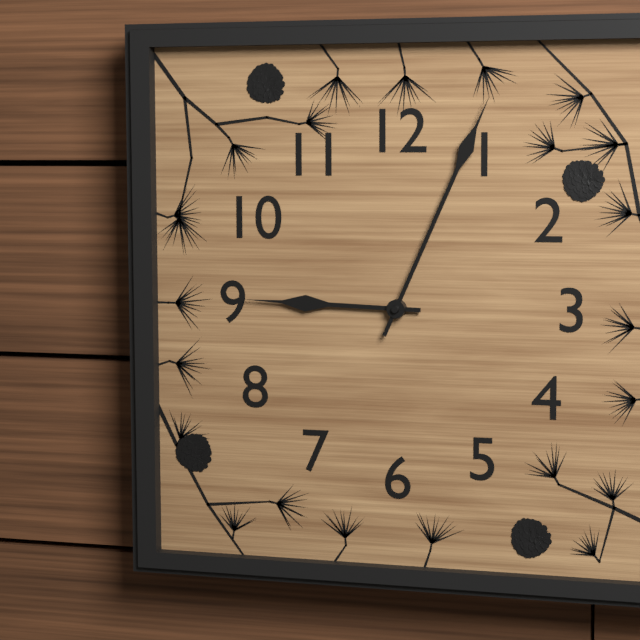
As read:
**9:04**
